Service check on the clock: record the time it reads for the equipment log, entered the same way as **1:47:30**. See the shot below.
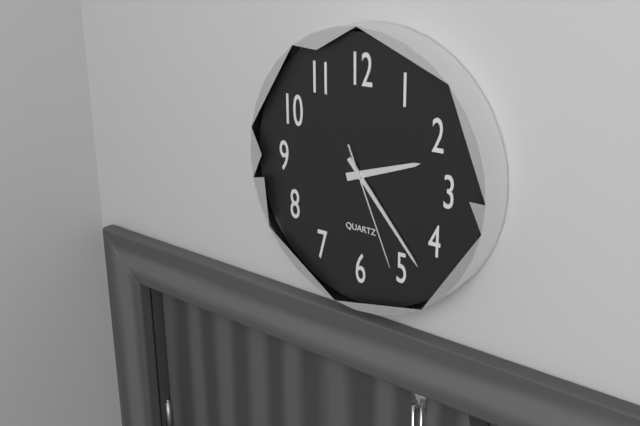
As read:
**2:23:26**
